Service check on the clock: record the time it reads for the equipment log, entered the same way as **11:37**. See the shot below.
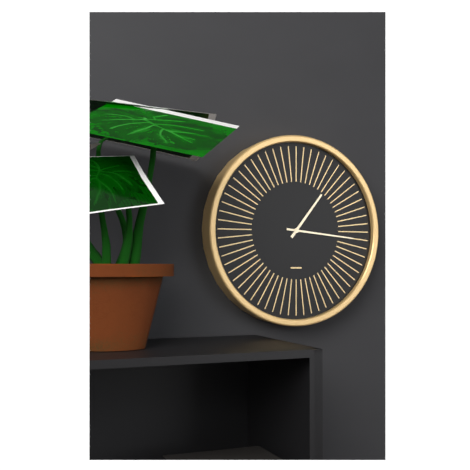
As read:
**1:16**
